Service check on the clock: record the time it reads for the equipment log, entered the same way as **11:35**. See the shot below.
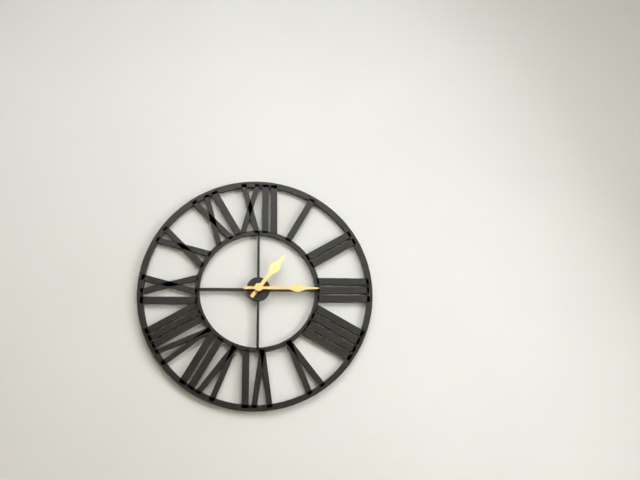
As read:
**1:15**
